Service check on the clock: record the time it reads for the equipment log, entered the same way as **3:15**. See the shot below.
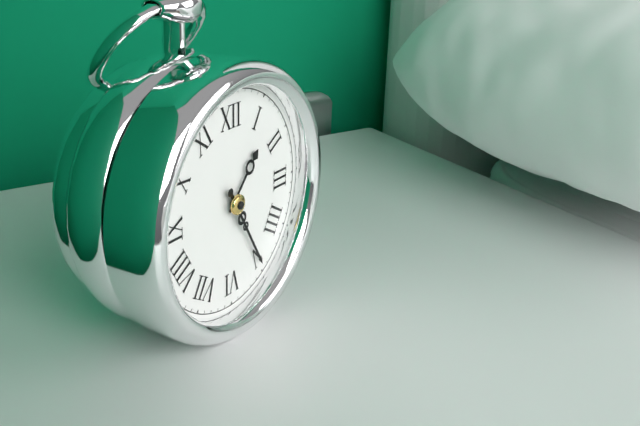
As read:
**1:25**
